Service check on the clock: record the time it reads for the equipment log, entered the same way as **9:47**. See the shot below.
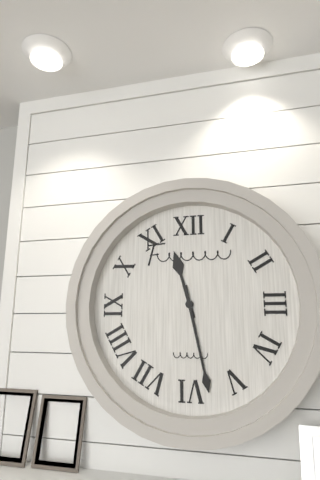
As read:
**11:28**
